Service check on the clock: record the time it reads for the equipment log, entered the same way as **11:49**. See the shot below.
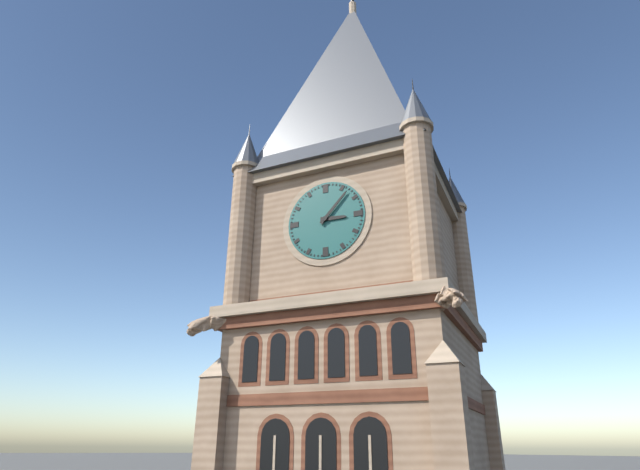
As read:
**3:07**
